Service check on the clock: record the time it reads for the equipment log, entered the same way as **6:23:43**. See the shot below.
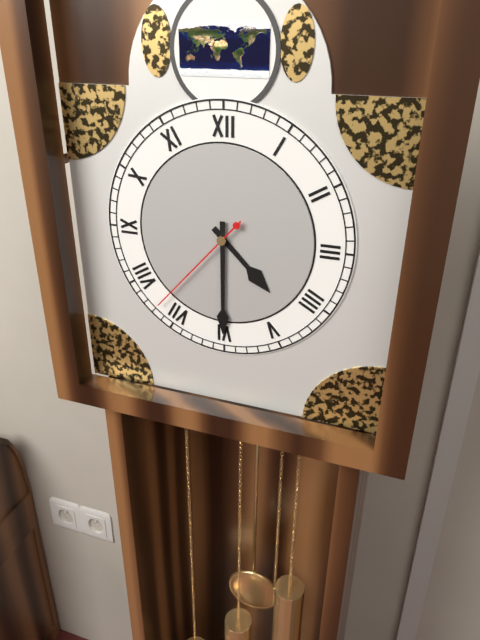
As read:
**4:30:37**
